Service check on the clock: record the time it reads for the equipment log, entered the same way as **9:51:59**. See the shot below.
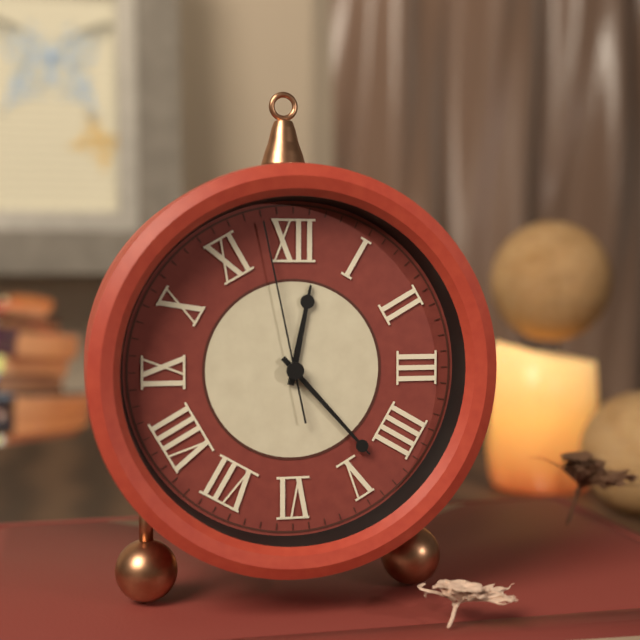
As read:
**12:23:58**
